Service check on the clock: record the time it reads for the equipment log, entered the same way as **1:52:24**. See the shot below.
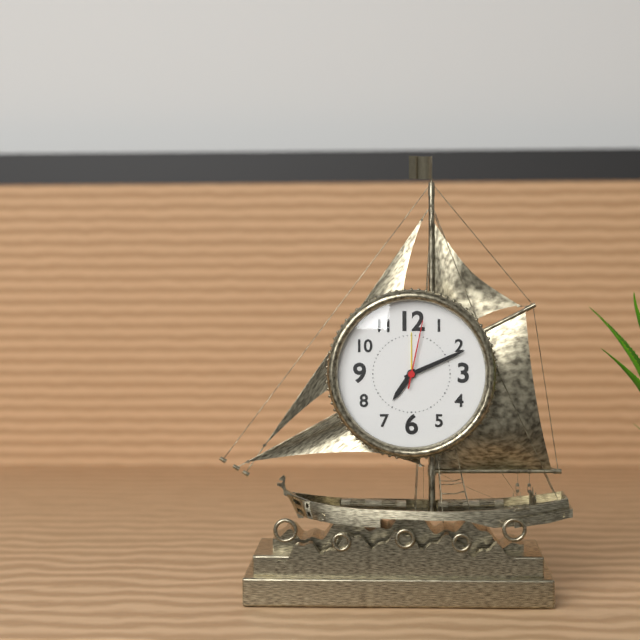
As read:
**7:11:02**
